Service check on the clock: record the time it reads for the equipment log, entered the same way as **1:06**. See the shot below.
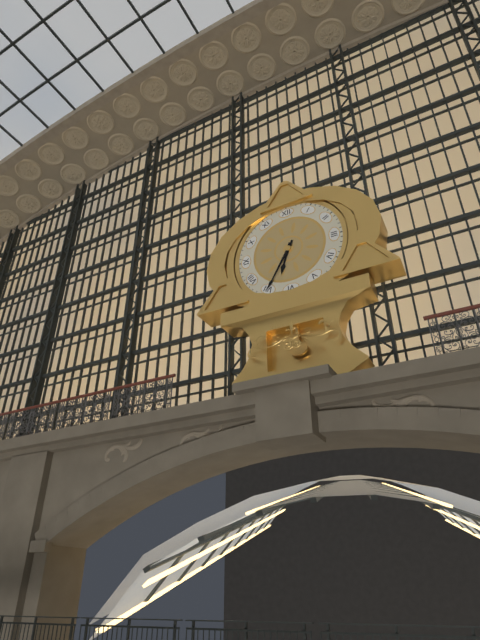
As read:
**6:35**
